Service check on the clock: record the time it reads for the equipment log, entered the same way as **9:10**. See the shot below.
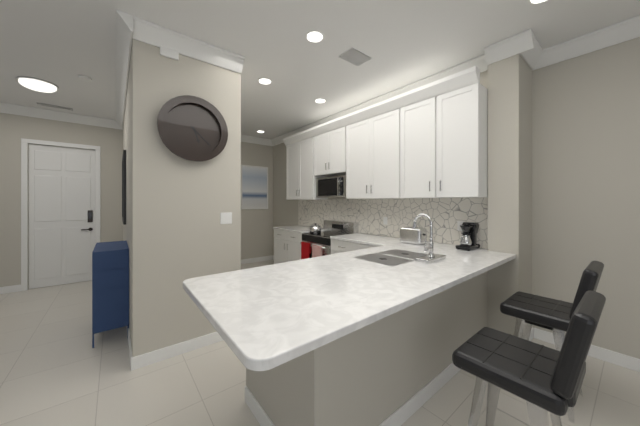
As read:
**5:22**
